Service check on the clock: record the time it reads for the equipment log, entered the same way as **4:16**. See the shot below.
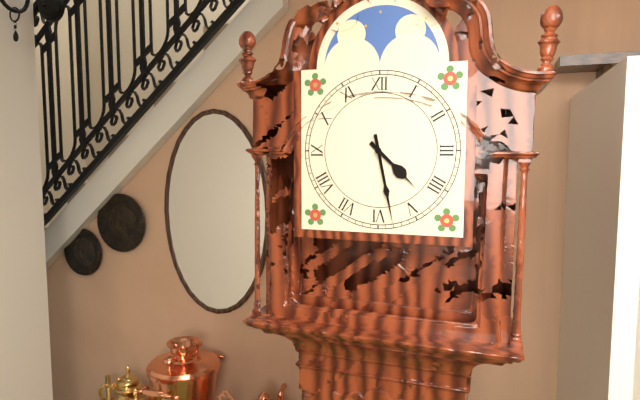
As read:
**4:28**
